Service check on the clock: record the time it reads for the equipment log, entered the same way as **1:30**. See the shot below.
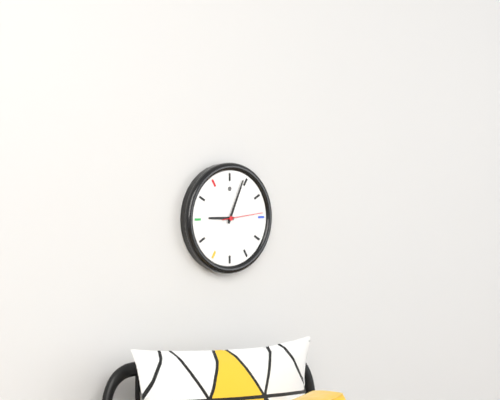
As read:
**9:04**
